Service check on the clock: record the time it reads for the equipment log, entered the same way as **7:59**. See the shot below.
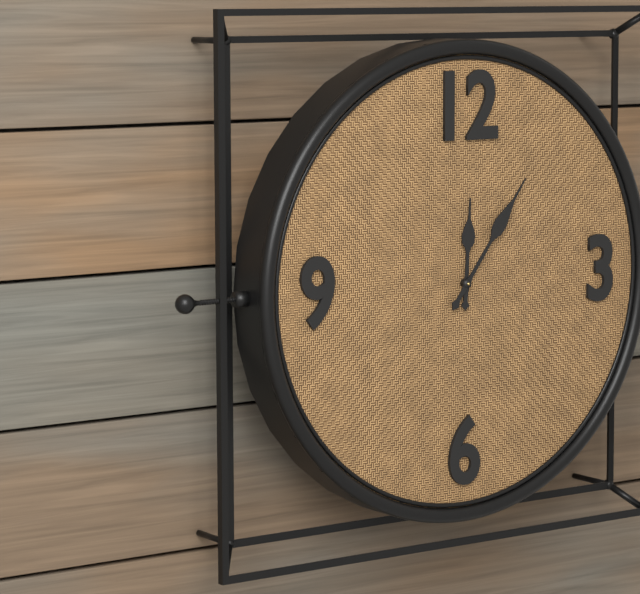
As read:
**12:06**
